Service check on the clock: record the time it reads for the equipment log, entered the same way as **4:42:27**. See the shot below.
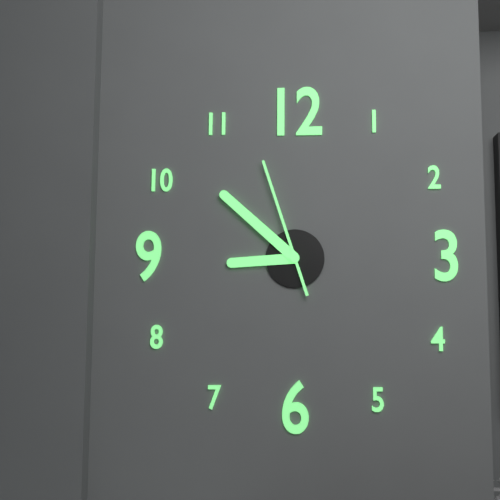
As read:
**8:52:57**
